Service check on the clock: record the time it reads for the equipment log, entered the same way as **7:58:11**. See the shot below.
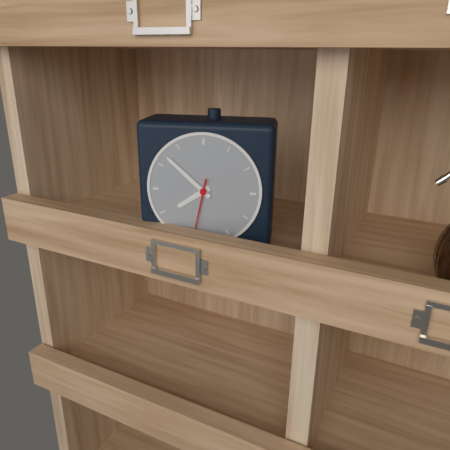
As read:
**7:52:32**
